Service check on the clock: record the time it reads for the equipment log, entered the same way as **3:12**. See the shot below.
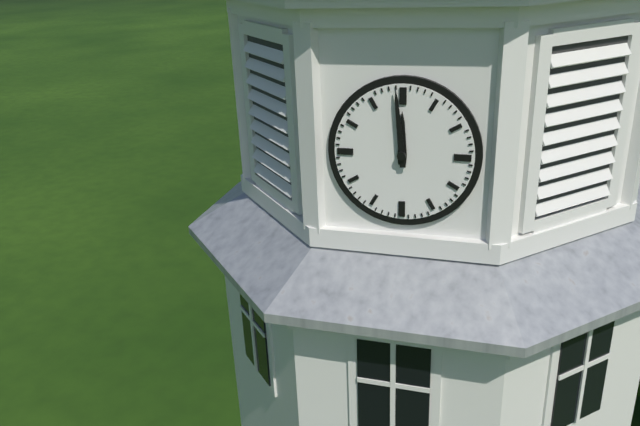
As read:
**11:59**
